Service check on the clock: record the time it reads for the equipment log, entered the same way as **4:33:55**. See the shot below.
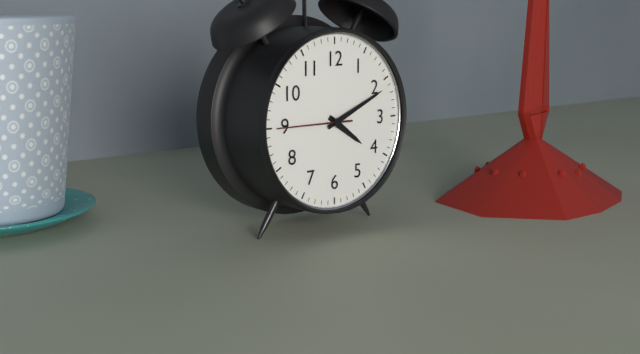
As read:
**4:11:45**
